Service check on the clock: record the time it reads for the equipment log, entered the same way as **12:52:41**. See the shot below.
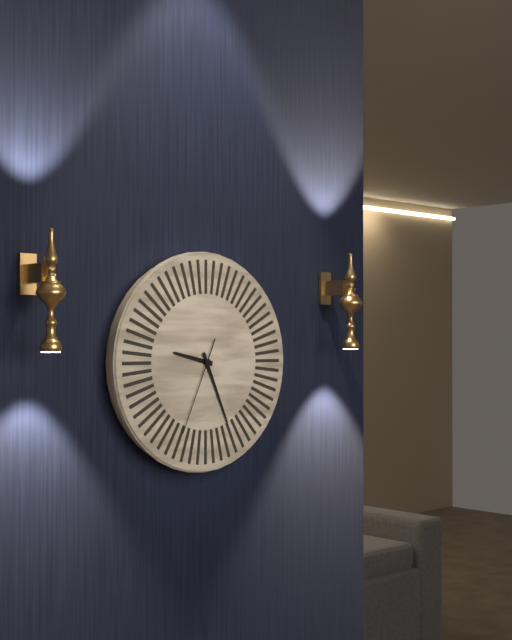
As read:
**9:26:34**
